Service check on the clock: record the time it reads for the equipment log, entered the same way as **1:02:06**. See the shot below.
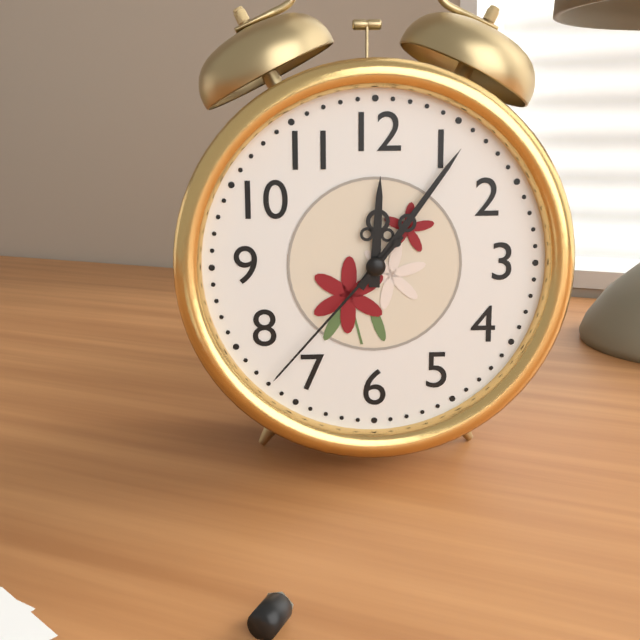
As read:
**12:06:37**
